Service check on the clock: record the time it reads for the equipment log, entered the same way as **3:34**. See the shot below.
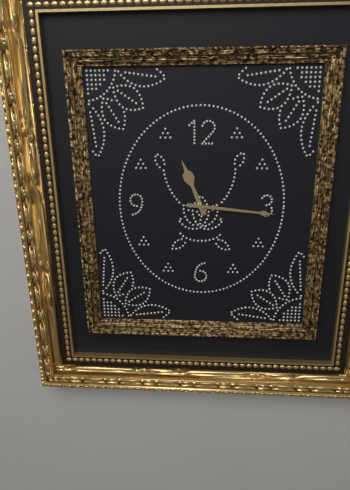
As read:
**11:16**
